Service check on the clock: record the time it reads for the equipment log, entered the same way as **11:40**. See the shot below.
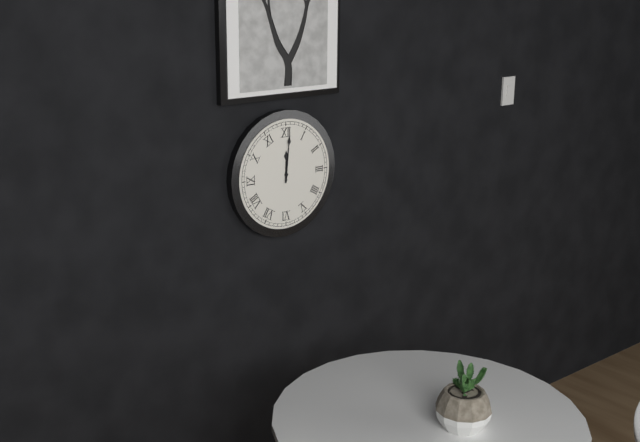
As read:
**12:01**
